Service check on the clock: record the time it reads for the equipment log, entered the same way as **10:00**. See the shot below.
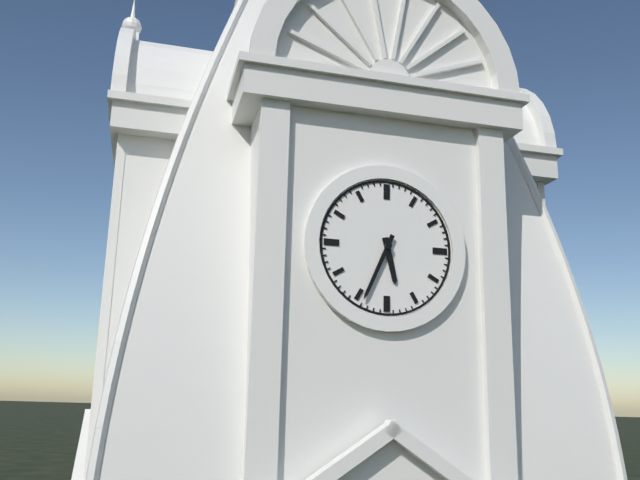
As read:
**5:34**
